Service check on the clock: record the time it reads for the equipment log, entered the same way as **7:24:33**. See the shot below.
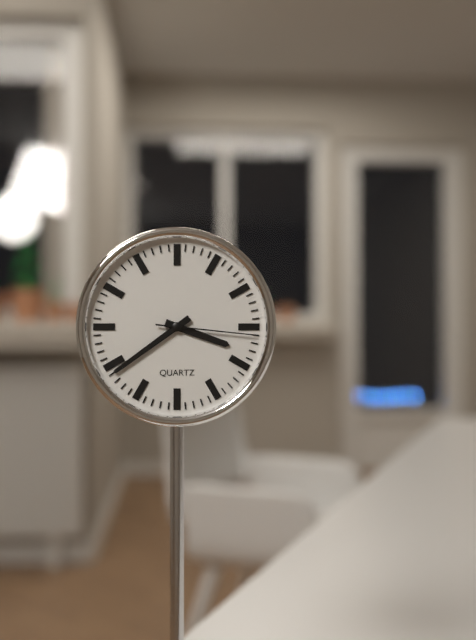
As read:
**3:39:16**
